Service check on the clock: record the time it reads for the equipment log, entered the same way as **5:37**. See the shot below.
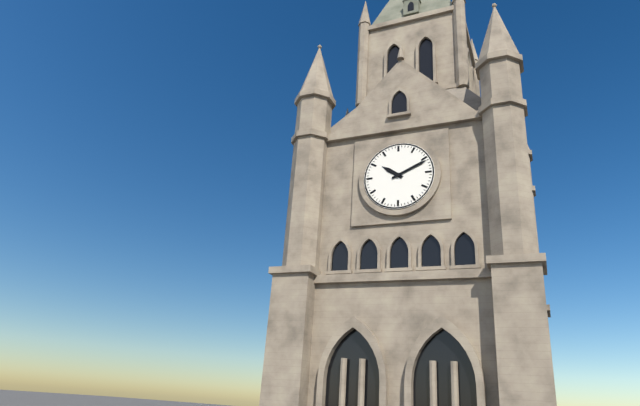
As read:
**10:11**
